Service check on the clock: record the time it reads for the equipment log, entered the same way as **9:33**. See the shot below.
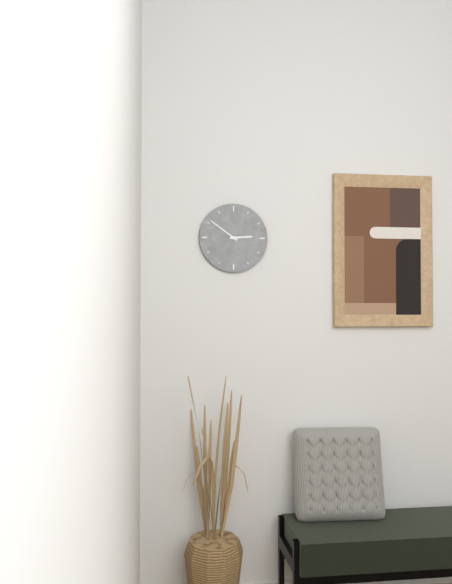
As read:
**2:51**
